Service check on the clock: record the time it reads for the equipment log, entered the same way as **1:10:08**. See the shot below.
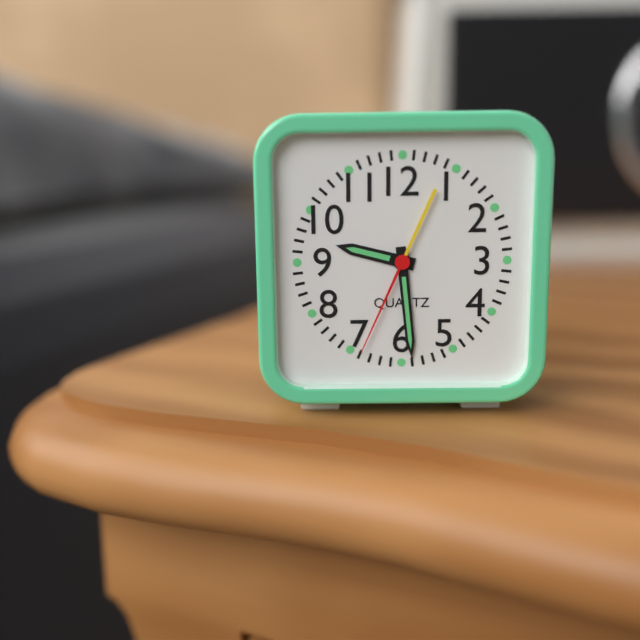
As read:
**9:29:34**
